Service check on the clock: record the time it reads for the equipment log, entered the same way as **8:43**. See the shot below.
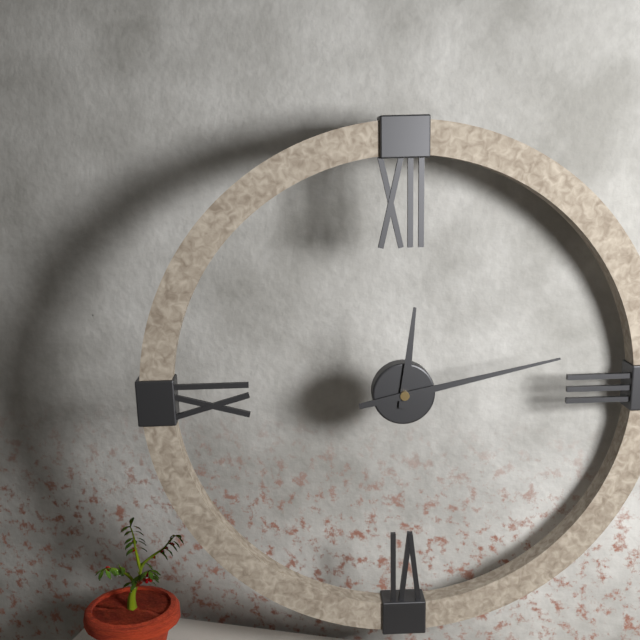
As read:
**12:13**
